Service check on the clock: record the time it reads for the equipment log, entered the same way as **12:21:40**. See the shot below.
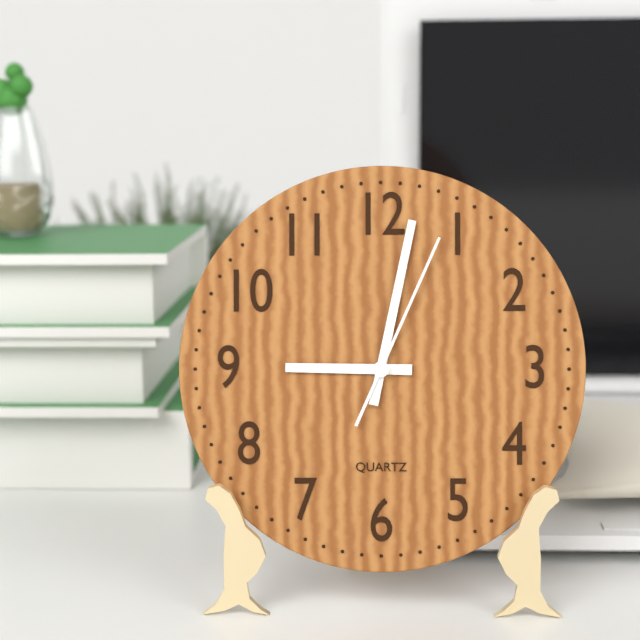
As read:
**9:02:04**
